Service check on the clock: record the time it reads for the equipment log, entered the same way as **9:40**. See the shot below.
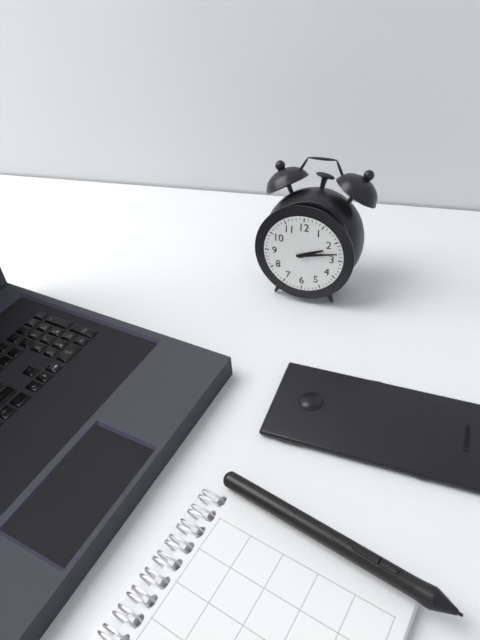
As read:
**2:13**
